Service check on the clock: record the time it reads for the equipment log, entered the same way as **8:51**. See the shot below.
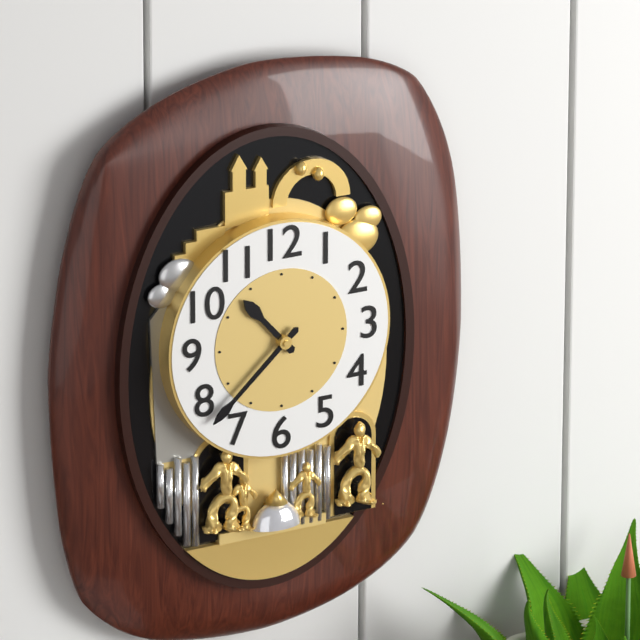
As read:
**10:38**
